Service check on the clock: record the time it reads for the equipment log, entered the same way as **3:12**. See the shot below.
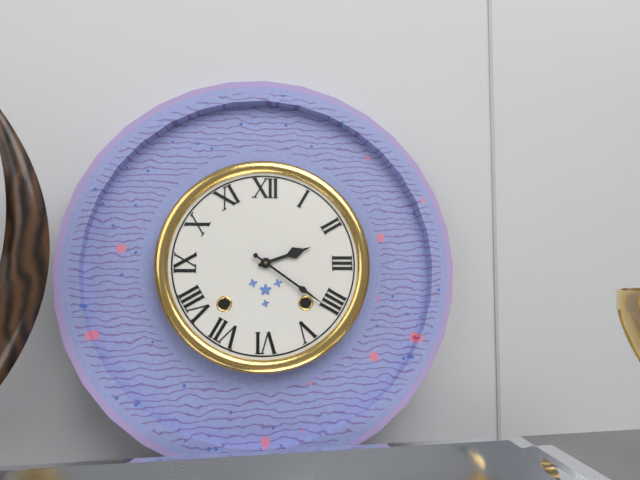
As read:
**2:21**
